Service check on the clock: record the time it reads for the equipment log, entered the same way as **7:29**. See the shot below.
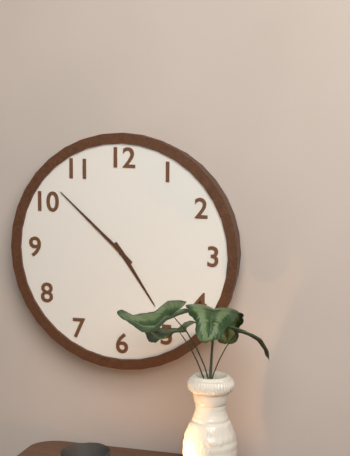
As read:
**4:52**
